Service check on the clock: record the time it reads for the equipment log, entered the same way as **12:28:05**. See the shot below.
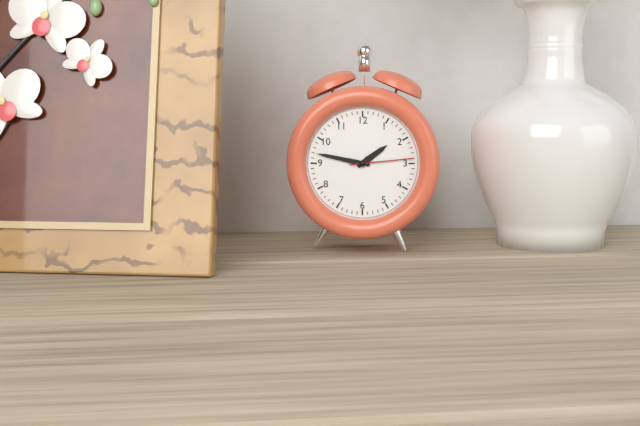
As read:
**1:47:14**
